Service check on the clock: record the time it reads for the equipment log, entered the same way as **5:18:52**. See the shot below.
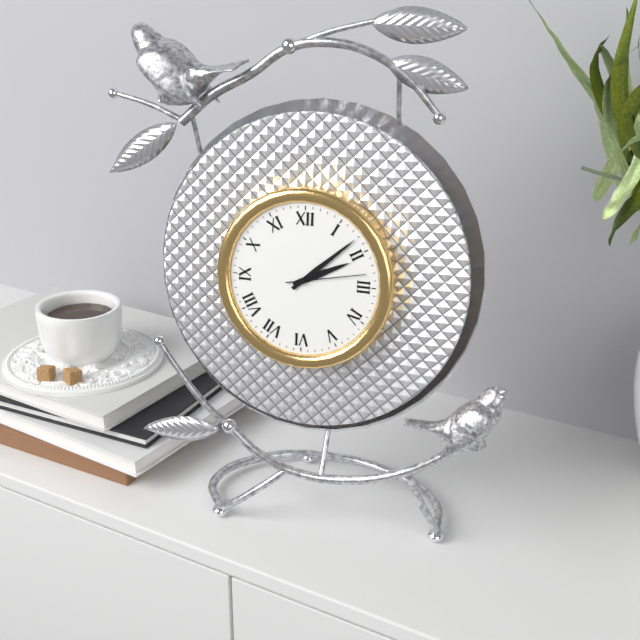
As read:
**2:08:13**
